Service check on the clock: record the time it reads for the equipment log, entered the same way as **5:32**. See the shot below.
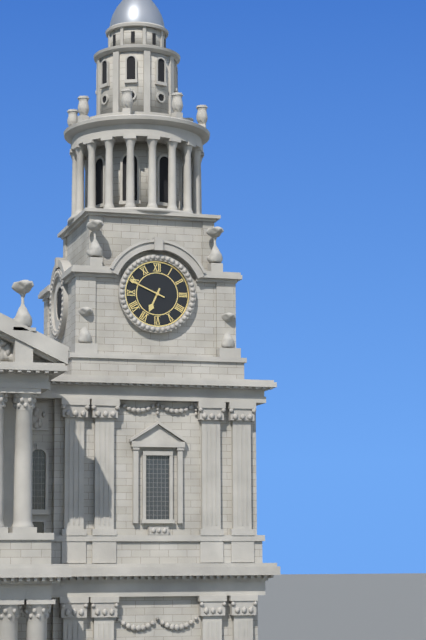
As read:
**6:49**
